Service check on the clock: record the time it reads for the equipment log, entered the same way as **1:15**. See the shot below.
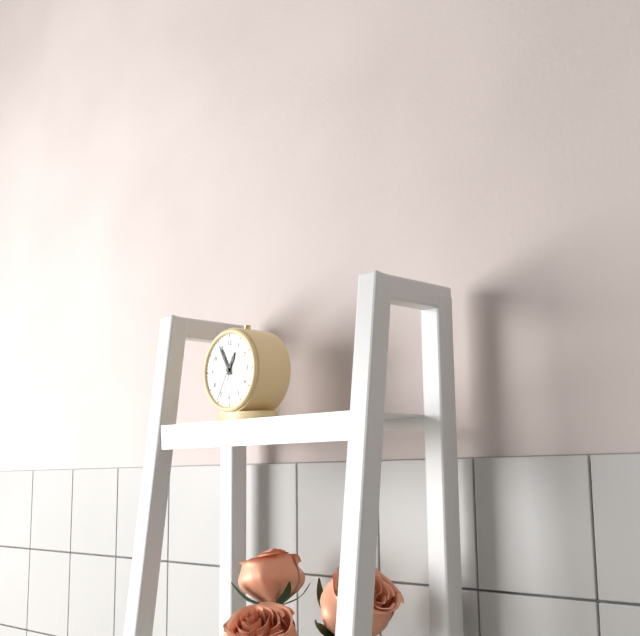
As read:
**12:55**
